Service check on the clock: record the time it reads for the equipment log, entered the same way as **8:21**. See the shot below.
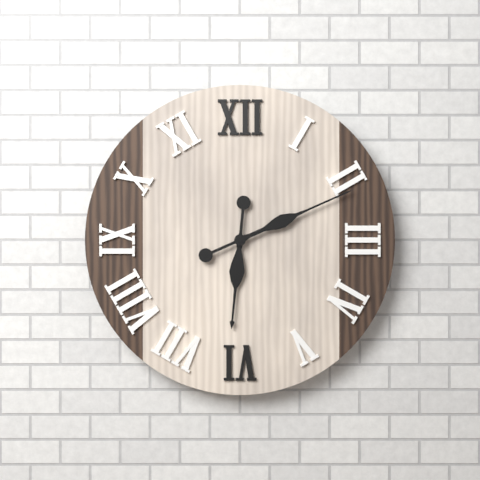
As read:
**6:11**
